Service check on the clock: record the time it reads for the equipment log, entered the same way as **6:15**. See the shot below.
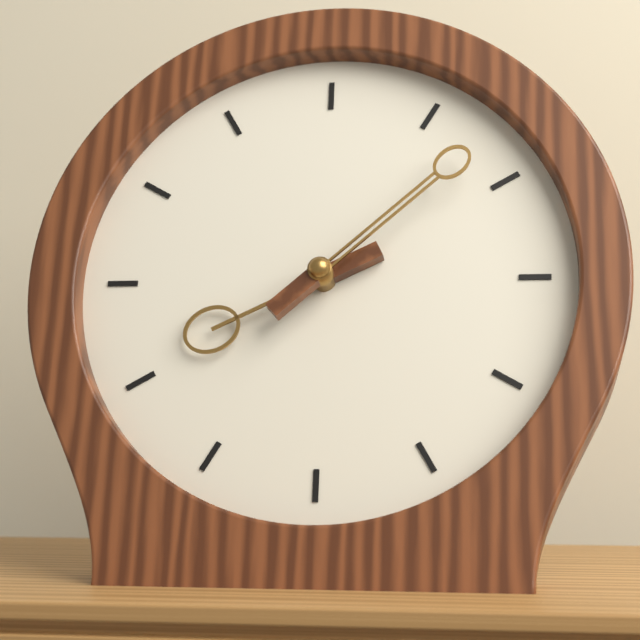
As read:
**8:08**
